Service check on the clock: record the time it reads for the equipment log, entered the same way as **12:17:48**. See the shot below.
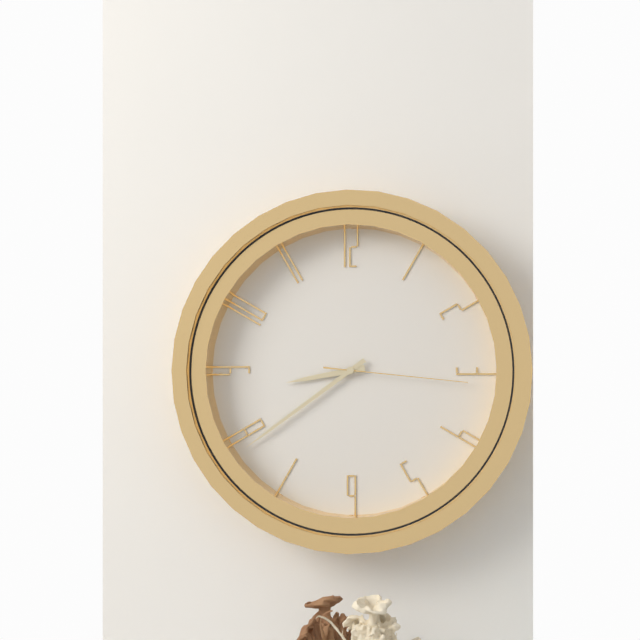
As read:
**8:39:16**
